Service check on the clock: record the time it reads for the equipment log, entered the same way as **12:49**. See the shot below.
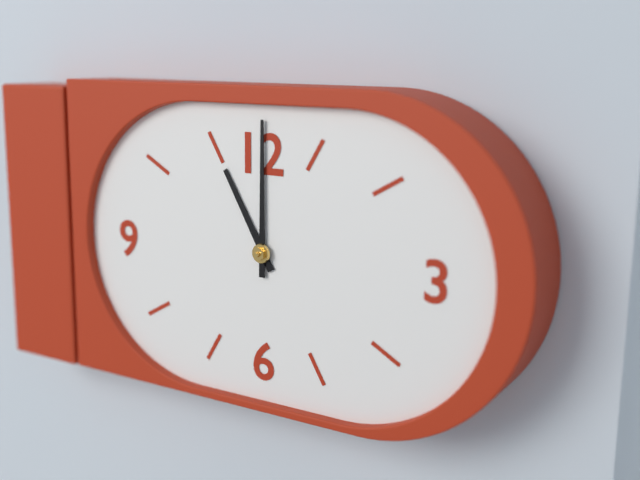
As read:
**11:00**
